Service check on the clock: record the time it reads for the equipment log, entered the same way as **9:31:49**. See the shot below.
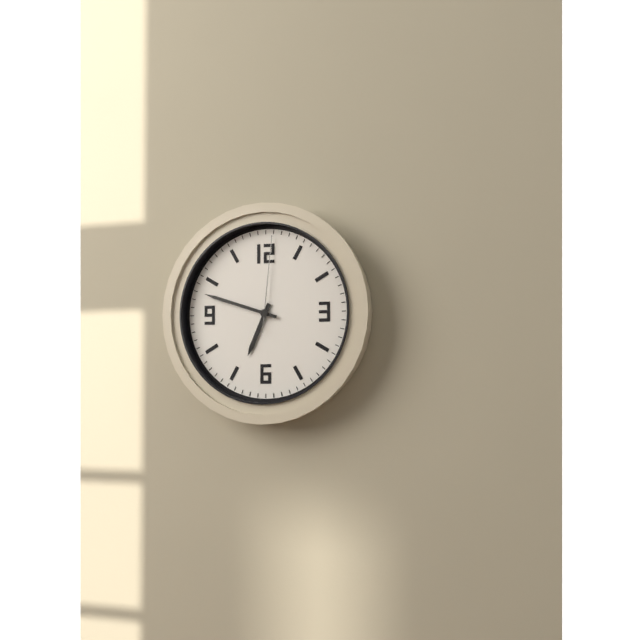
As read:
**6:48:01**
